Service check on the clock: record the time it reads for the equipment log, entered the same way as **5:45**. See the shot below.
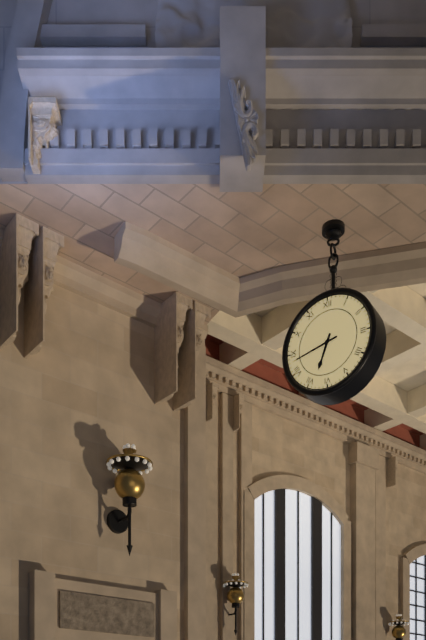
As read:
**6:43**
